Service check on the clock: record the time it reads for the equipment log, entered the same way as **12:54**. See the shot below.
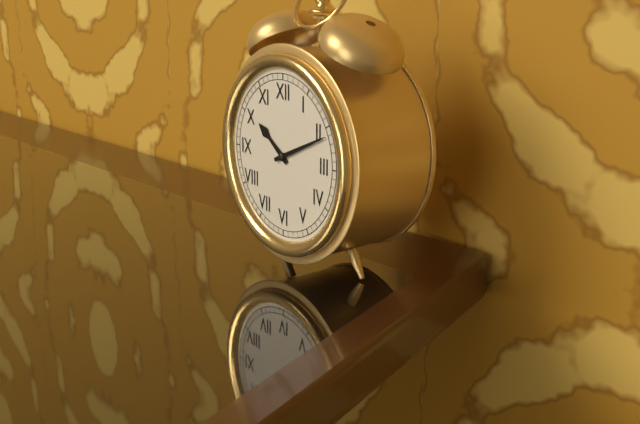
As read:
**10:11**
